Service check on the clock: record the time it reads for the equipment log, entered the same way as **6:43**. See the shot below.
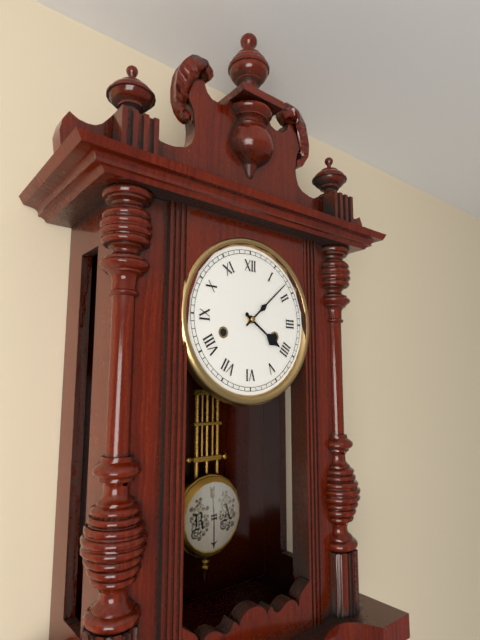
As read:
**4:08**
